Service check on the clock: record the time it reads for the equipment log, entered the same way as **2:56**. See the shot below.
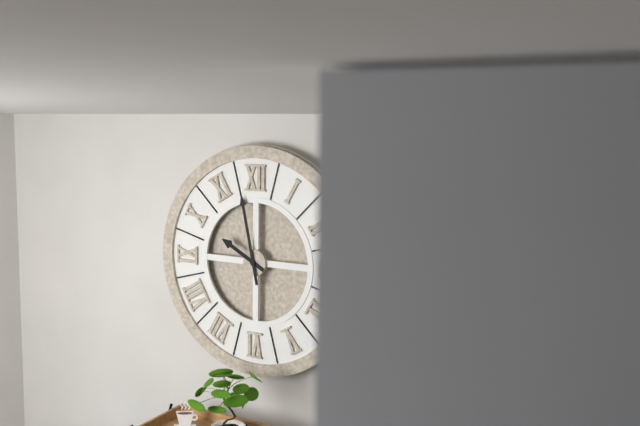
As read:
**9:58**
